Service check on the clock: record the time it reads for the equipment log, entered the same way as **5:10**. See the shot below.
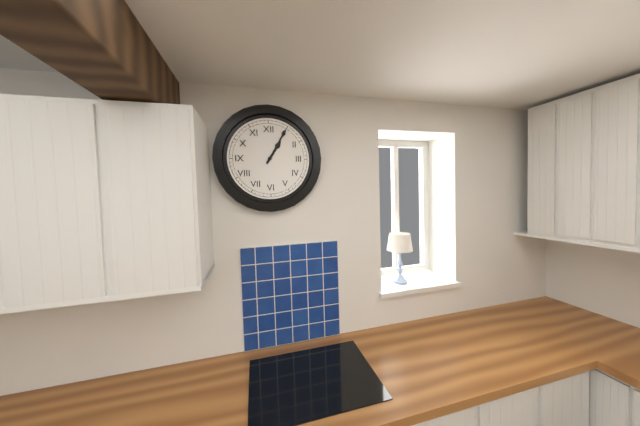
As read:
**1:05**
